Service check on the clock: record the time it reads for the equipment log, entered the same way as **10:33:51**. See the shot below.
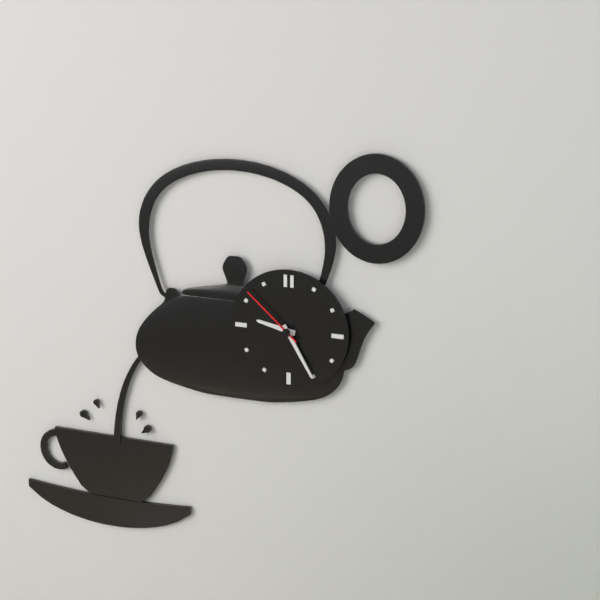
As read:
**9:25:52**
